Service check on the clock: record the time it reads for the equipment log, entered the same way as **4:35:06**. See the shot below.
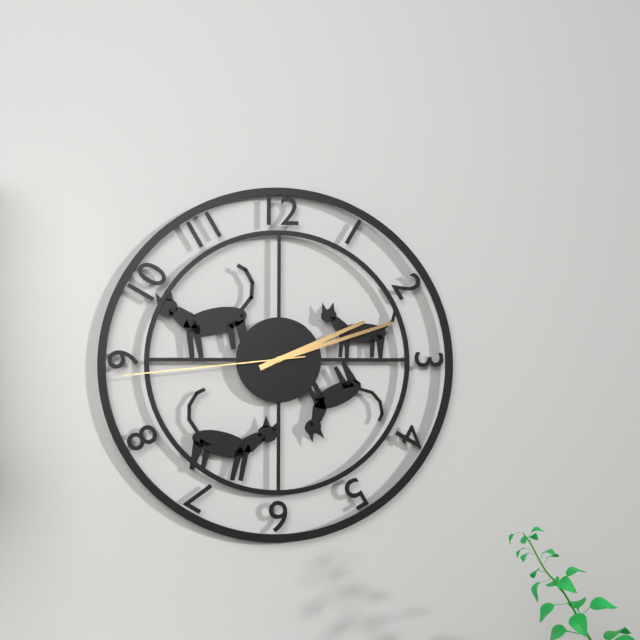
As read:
**2:12:44**
